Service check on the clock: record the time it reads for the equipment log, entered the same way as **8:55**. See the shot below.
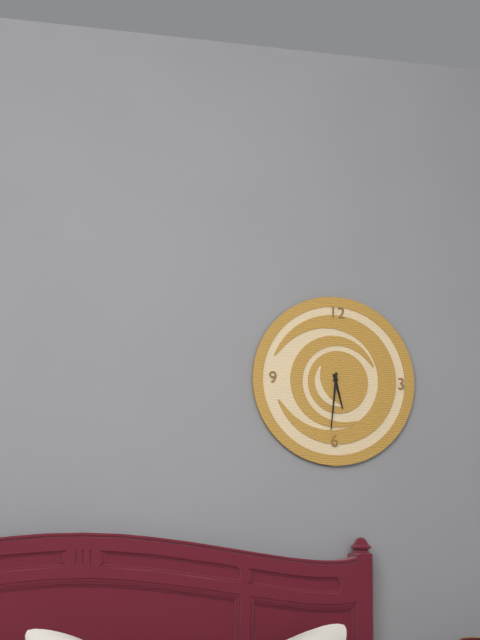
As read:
**5:31**
